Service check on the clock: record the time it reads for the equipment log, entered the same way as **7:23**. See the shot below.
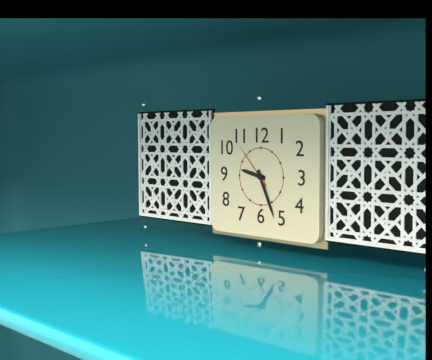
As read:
**9:26**
